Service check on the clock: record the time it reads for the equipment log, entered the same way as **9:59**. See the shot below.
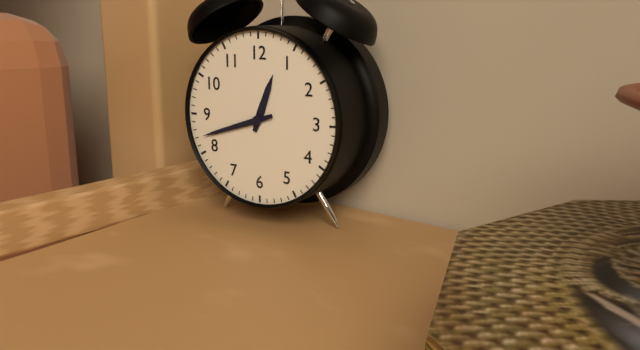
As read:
**12:42**
